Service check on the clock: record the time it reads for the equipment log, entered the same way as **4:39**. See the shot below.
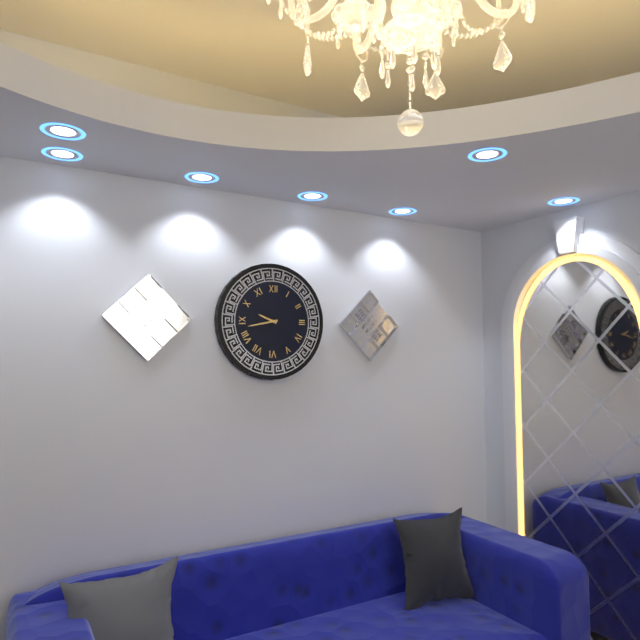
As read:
**9:43**
